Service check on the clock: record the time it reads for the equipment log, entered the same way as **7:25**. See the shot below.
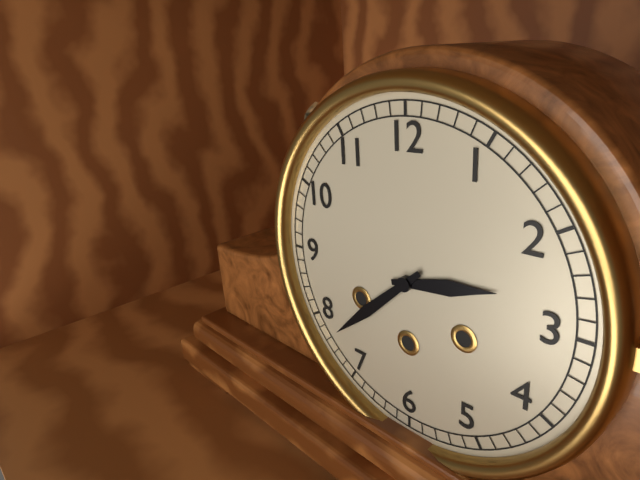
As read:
**2:38**
